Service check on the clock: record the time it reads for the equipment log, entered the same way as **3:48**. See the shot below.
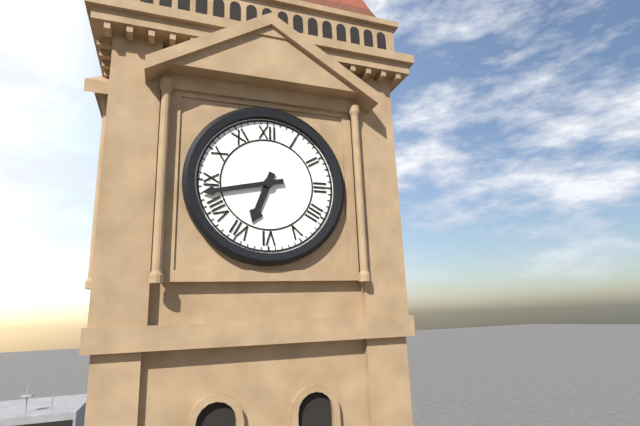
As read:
**6:43**
